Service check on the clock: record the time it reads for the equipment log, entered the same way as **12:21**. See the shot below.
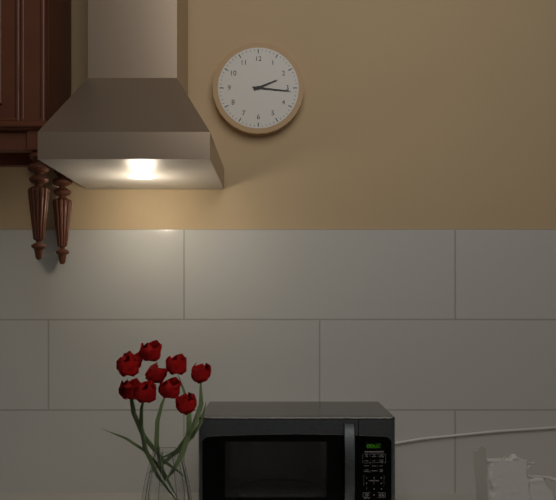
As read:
**2:16**
